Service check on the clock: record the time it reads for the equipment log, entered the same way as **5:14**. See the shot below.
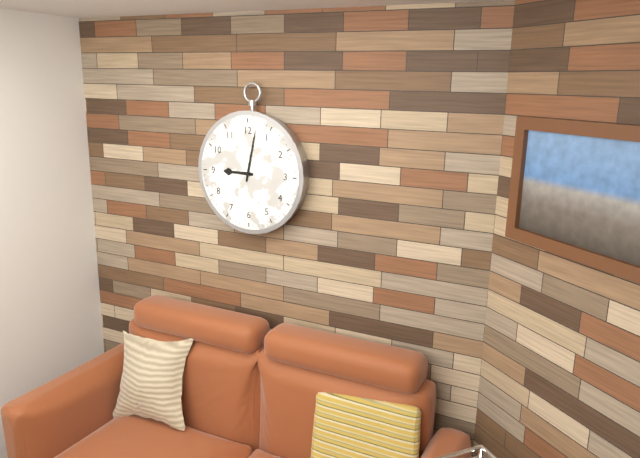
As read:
**9:02**
